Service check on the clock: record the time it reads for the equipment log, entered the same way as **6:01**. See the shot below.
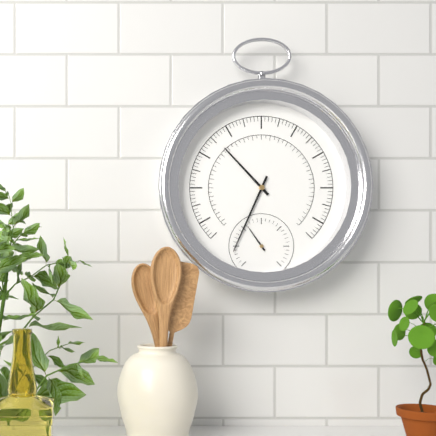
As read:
**10:34**
